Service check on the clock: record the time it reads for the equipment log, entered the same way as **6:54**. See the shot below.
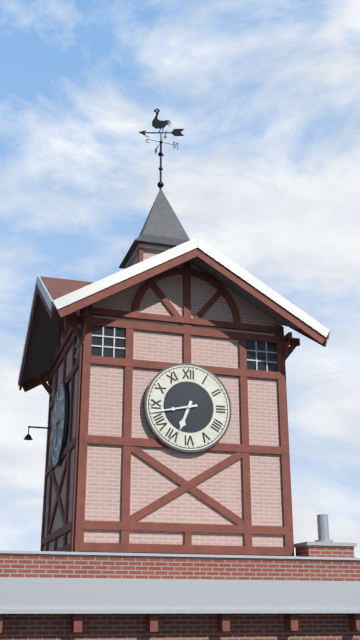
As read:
**6:43**
